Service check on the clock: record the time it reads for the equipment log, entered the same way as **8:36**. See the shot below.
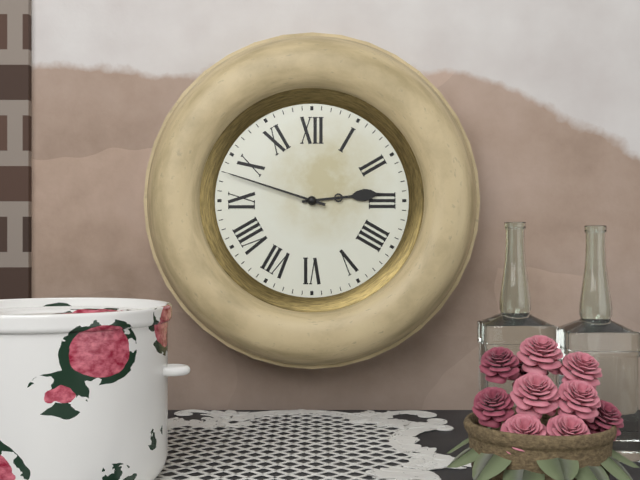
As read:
**2:48**
